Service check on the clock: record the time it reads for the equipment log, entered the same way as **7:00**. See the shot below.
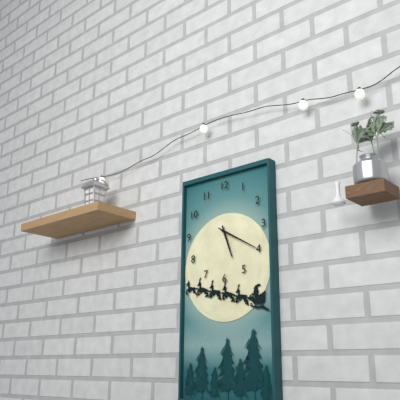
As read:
**5:20**
